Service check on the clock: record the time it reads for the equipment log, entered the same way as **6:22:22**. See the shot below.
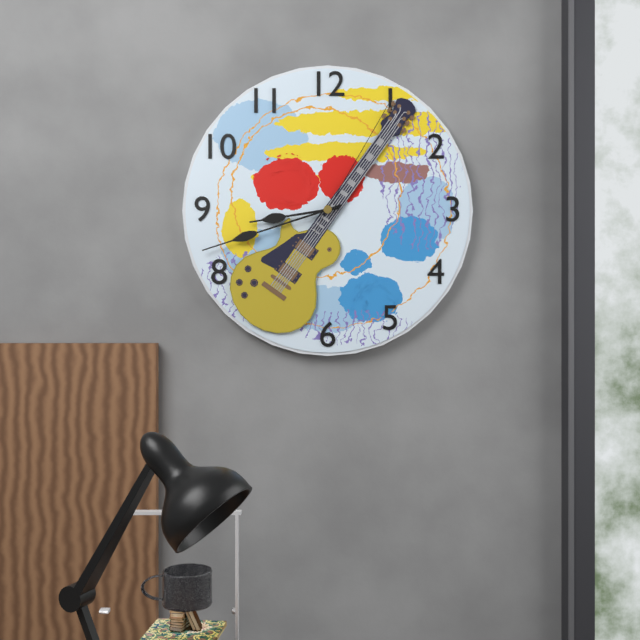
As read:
**8:42:05**
